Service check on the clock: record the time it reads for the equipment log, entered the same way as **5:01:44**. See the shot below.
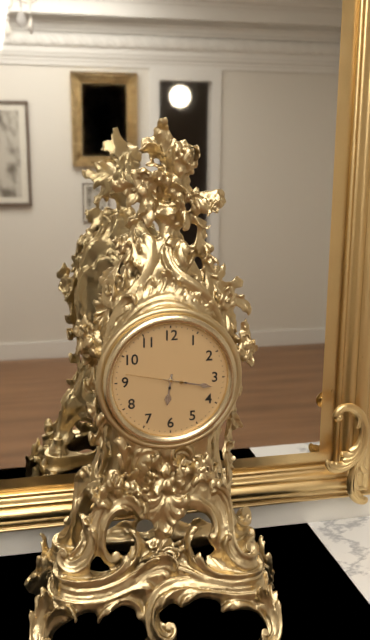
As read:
**6:17:47**
